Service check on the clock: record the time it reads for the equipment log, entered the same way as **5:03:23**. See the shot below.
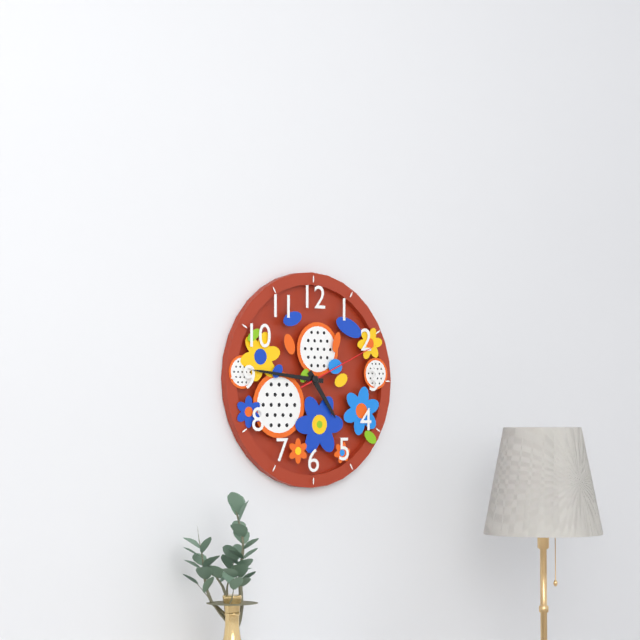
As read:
**4:46:11**
